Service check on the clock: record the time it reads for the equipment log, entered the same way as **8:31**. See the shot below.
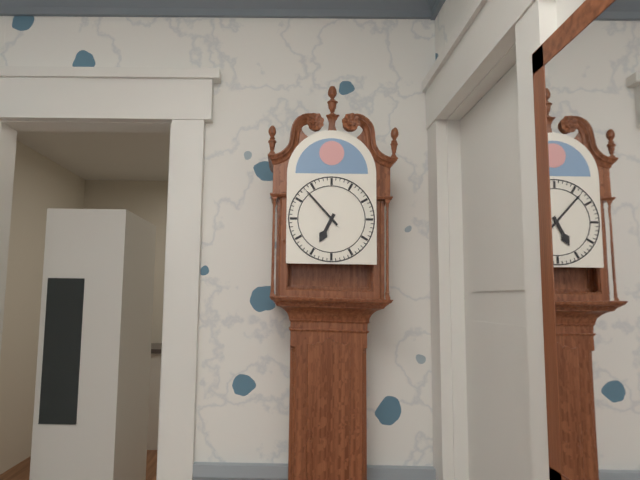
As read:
**6:53**
